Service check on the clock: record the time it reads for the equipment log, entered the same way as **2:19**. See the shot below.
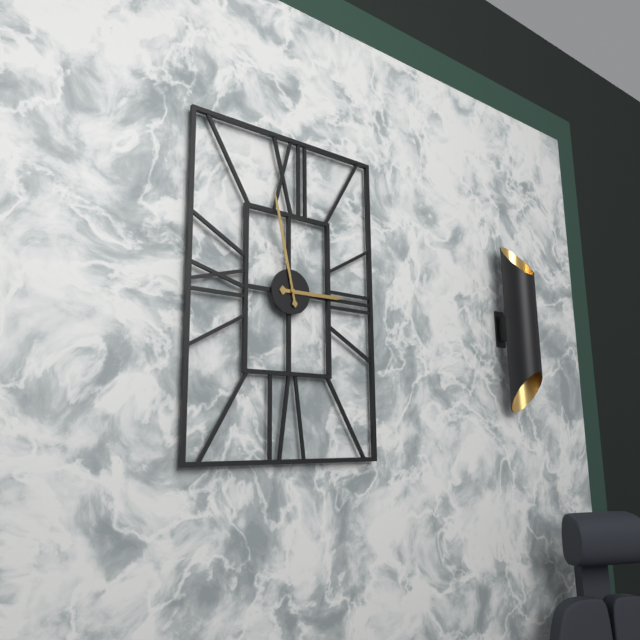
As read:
**2:58**
